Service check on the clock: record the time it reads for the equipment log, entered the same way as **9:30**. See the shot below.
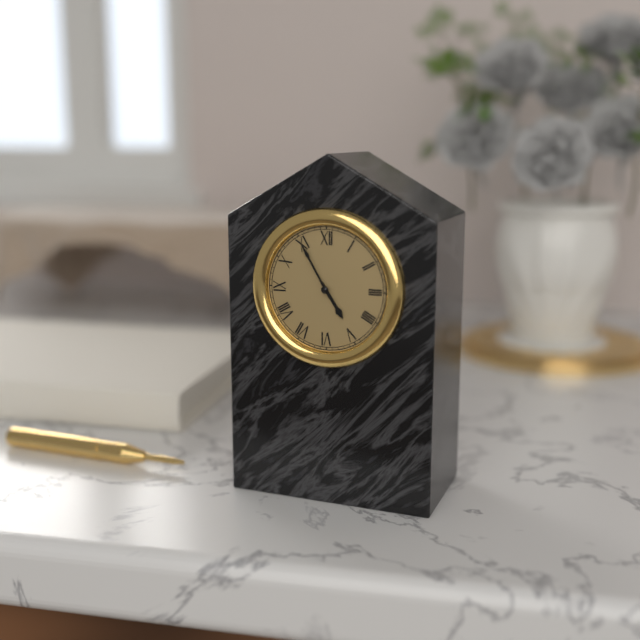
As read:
**4:55**
